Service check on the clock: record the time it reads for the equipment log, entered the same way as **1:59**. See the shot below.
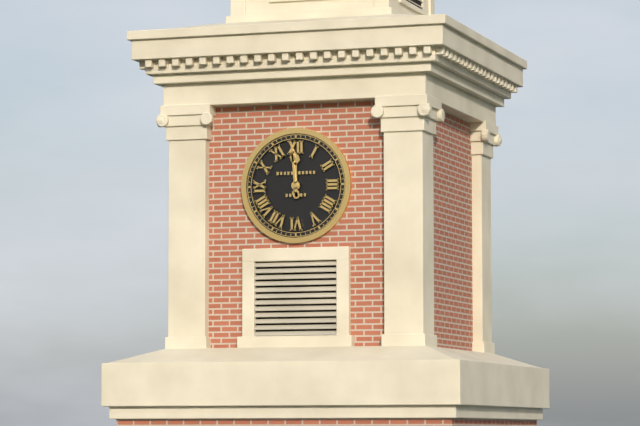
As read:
**11:59**
